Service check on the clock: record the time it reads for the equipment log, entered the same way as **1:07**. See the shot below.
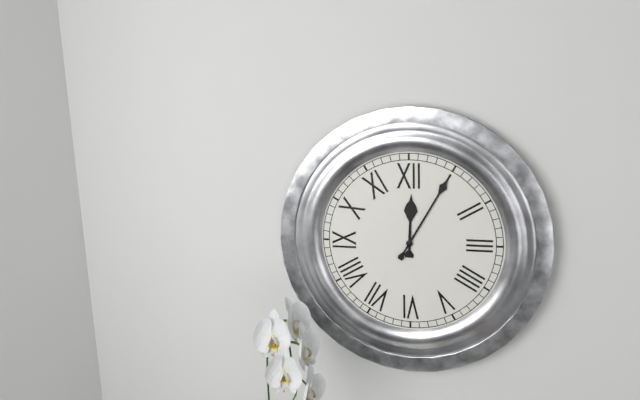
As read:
**12:05**
